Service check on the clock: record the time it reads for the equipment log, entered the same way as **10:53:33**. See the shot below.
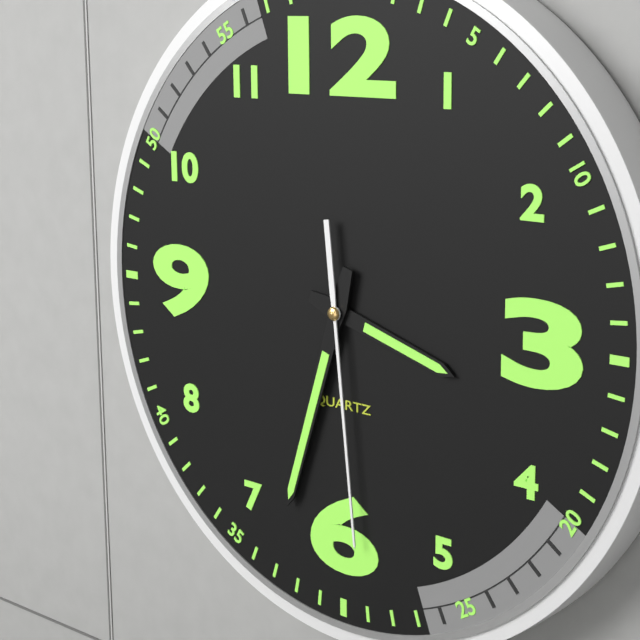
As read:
**3:33:29**
